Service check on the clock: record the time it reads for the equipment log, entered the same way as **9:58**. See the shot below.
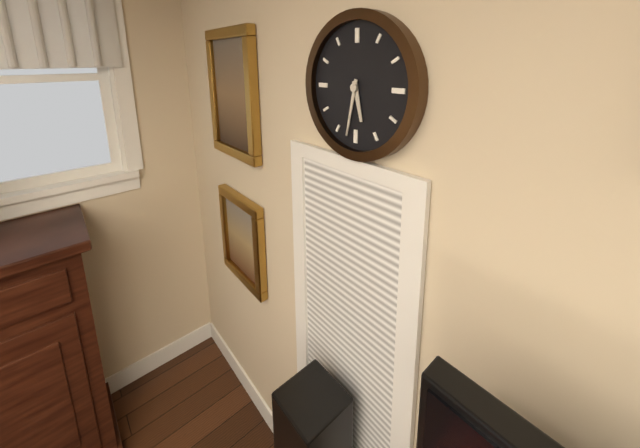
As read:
**5:32**
